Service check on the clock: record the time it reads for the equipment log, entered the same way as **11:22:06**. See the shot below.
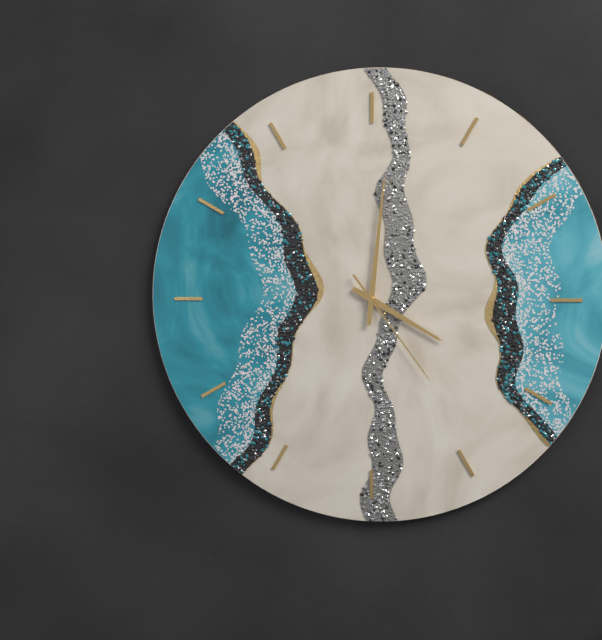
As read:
**4:01:24**
